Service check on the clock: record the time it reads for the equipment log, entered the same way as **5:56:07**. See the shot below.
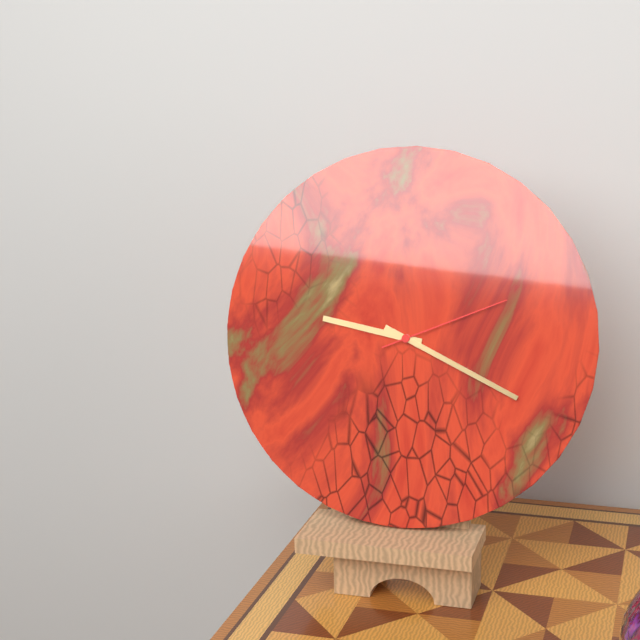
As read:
**9:19:11**
